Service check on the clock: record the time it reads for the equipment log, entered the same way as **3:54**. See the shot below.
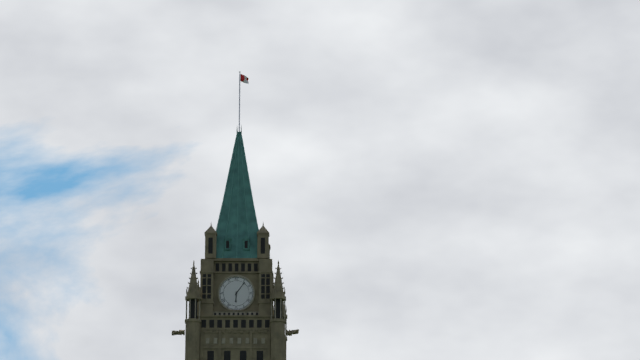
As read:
**6:06**
